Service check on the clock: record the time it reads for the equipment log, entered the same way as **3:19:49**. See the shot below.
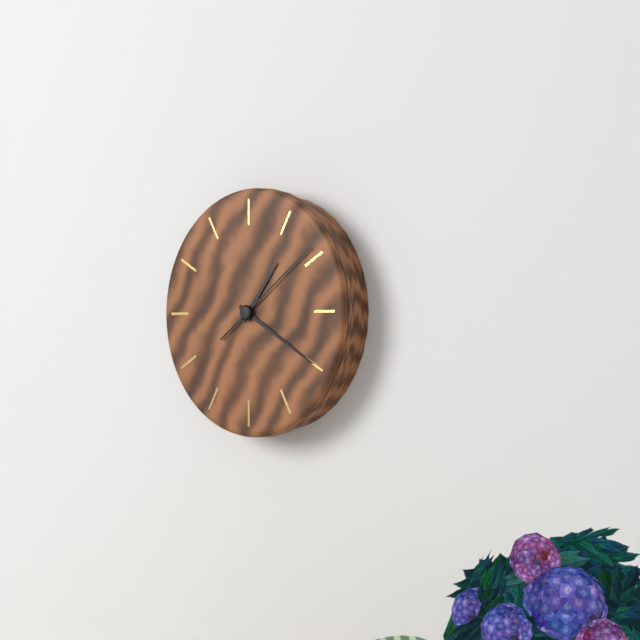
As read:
**1:20:09**
